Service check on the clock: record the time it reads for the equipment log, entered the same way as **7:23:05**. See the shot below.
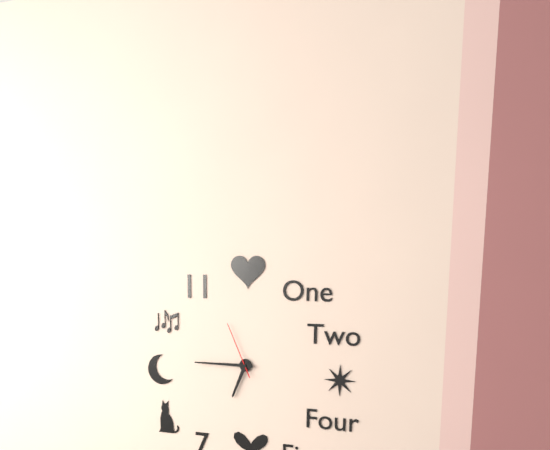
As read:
**6:45:56**
